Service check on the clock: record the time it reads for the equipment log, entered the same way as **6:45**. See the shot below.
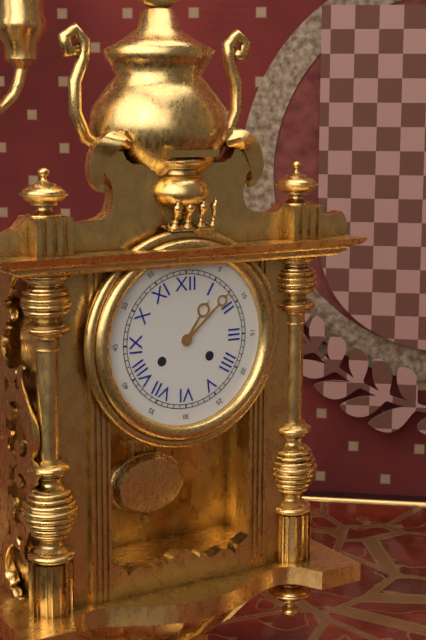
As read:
**1:08**
